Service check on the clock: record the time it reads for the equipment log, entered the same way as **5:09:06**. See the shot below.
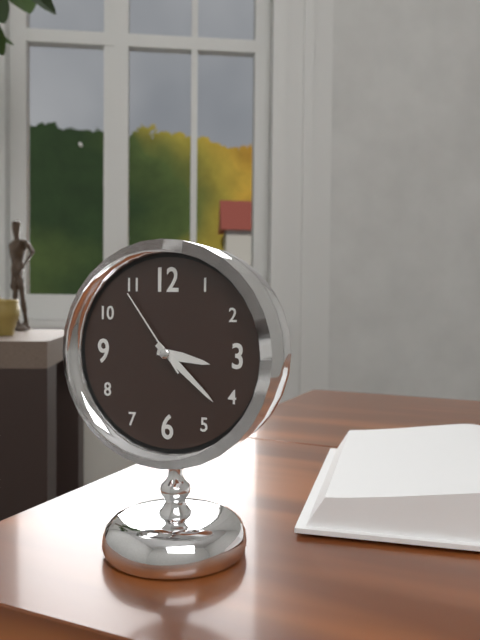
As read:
**3:22:54**
